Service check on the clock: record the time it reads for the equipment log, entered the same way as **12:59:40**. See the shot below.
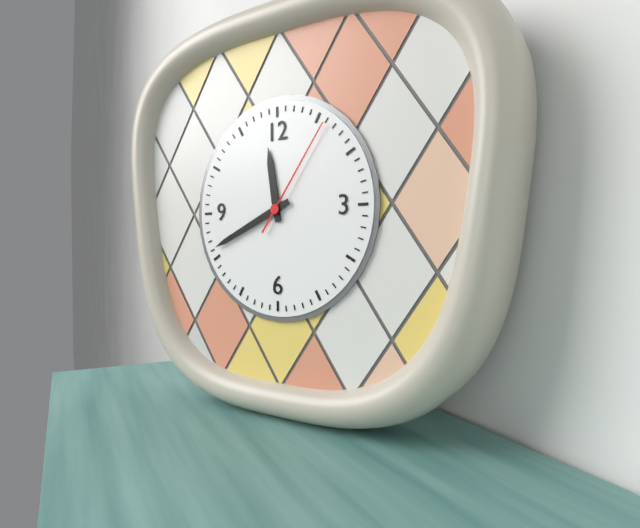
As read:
**11:41:06**
